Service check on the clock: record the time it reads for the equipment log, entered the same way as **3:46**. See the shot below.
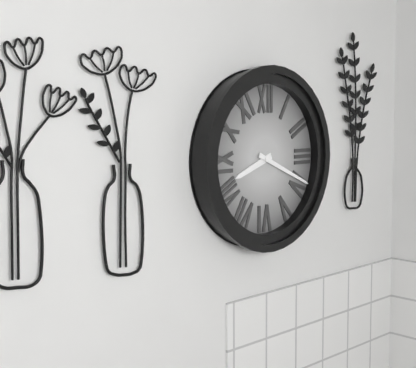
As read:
**8:19**
